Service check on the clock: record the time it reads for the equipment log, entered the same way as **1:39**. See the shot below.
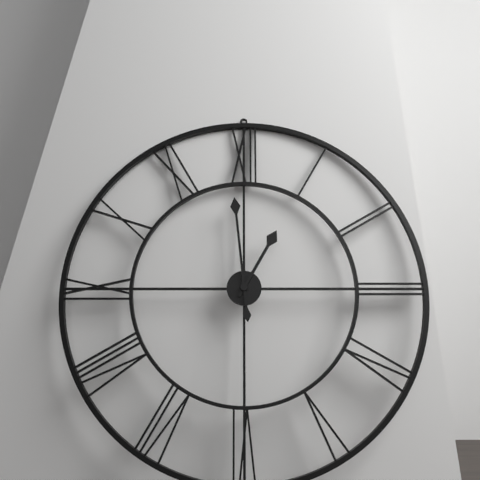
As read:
**12:59**
